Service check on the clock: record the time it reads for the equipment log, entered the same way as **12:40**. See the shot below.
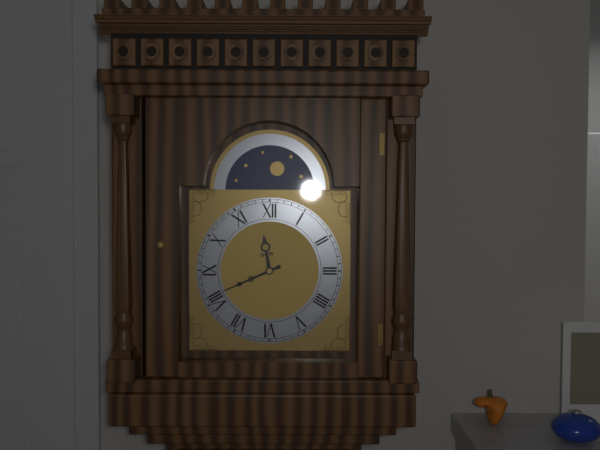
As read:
**11:41**
